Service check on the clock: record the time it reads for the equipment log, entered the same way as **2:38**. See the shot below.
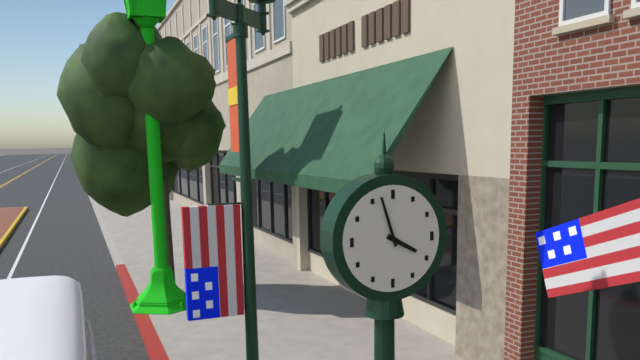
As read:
**3:57**
